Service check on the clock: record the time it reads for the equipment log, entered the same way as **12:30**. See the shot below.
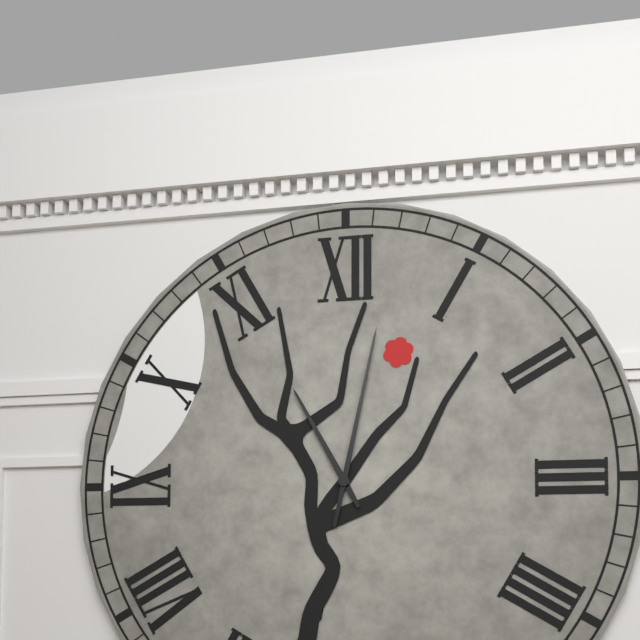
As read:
**11:02**
